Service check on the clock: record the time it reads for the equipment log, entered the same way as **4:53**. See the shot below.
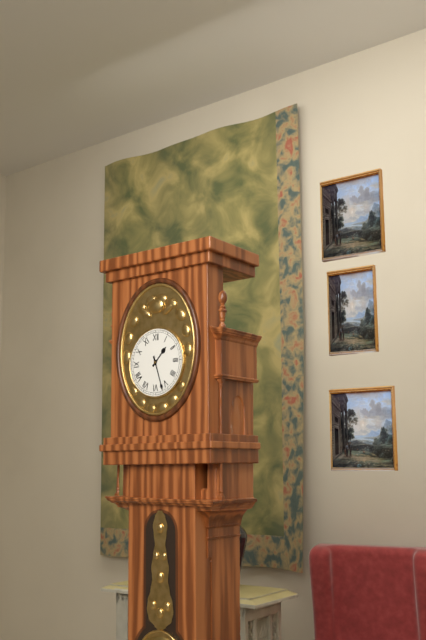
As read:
**1:27**
